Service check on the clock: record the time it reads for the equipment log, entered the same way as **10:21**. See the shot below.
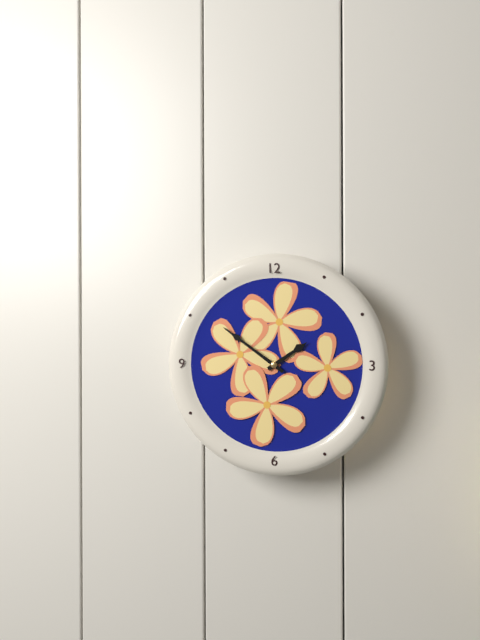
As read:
**1:51**
